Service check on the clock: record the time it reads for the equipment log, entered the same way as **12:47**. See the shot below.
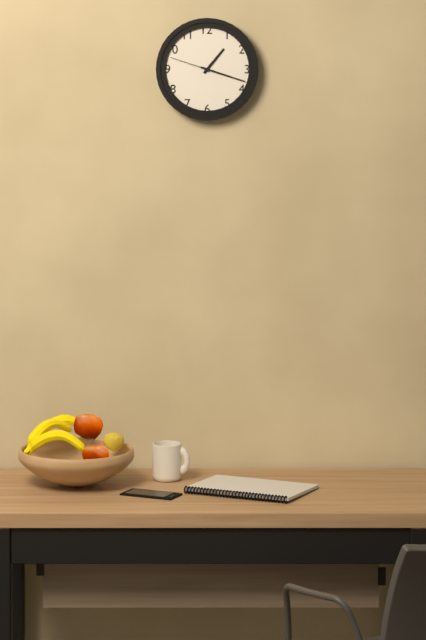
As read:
**1:18**
